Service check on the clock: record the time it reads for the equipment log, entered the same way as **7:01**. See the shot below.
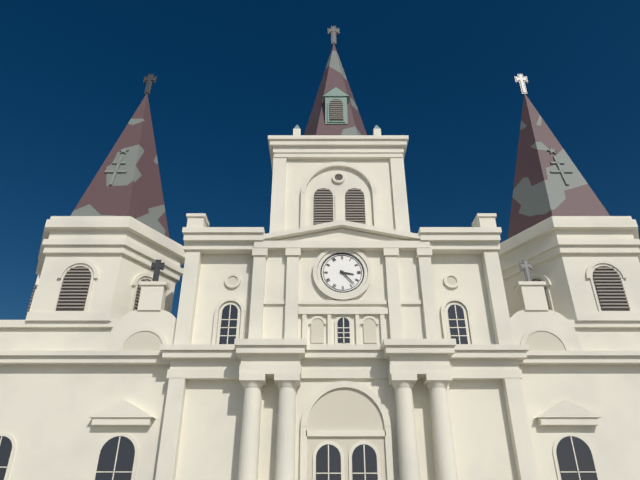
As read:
**3:23**
